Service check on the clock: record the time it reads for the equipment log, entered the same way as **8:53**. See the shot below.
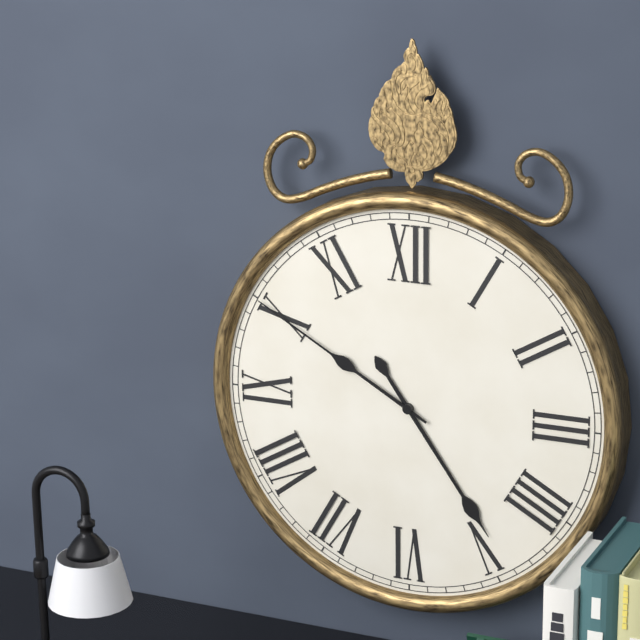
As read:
**4:50**
